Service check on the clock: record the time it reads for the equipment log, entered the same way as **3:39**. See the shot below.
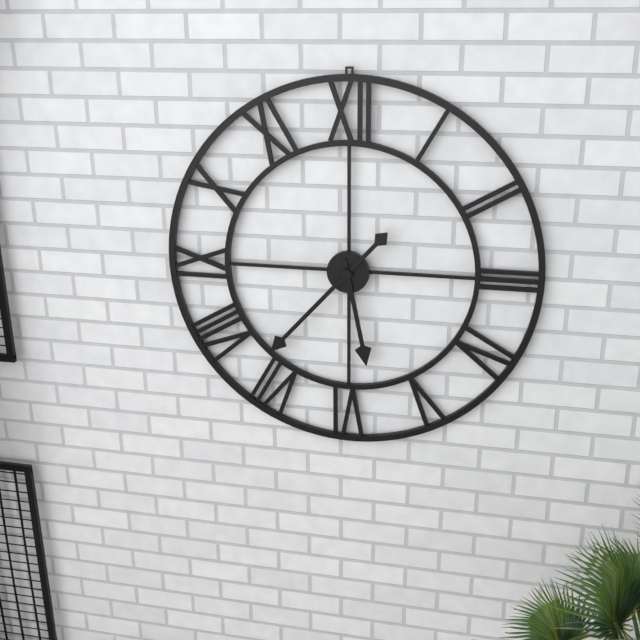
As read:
**5:37**
